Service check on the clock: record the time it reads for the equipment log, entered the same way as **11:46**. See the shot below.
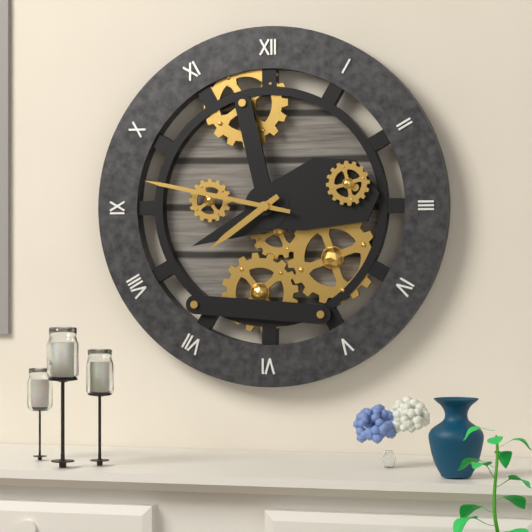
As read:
**7:47**
